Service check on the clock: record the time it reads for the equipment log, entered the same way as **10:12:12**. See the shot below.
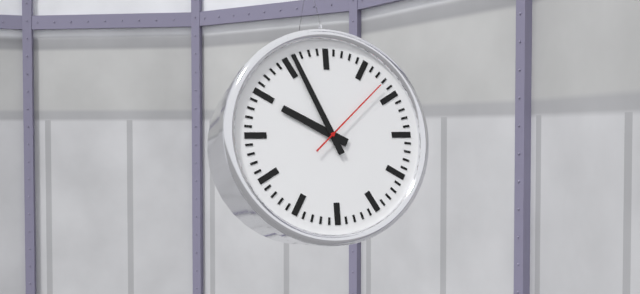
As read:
**9:56:08**
